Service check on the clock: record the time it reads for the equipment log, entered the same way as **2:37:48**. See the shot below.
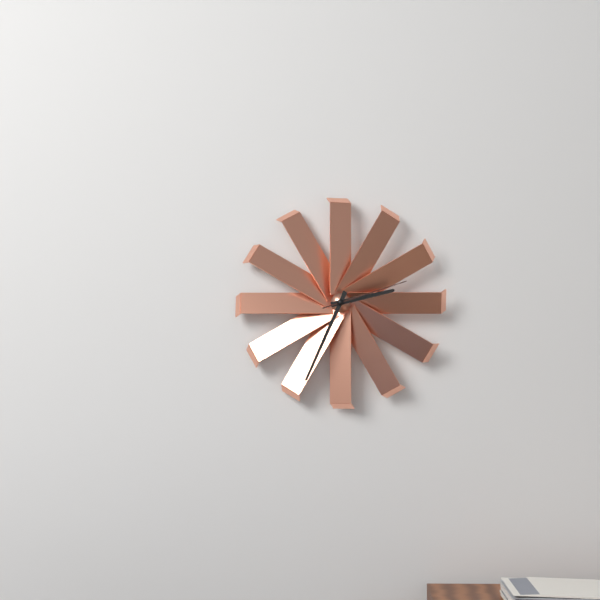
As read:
**2:34:12**
